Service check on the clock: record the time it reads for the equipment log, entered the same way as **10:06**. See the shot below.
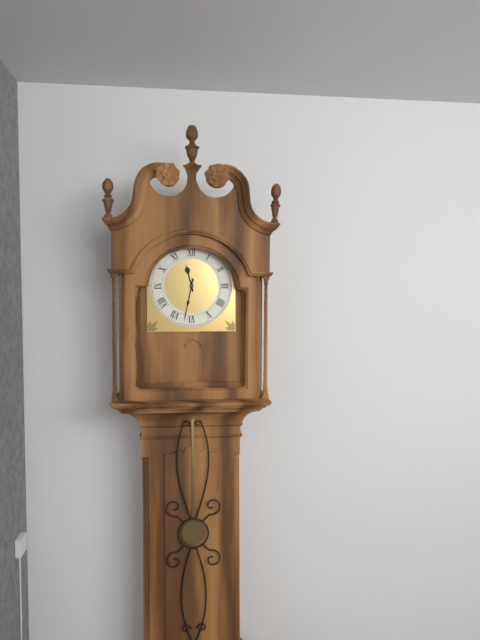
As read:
**11:32**
